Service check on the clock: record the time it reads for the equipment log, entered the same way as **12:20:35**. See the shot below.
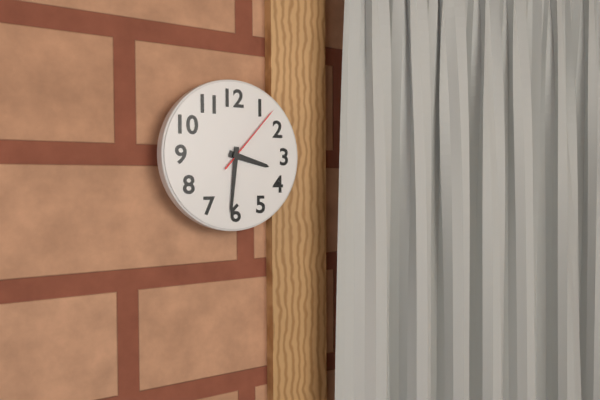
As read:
**3:31:07**
